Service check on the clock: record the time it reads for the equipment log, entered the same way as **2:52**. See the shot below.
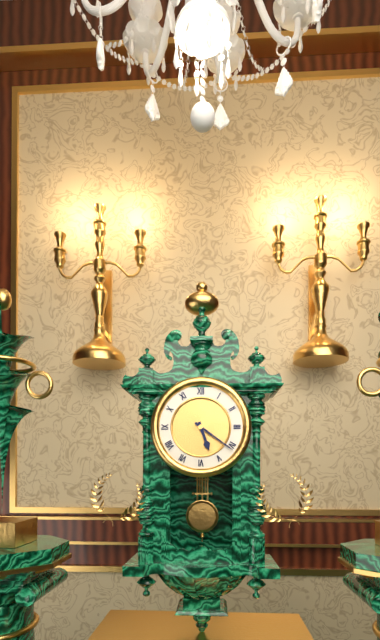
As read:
**5:21**
